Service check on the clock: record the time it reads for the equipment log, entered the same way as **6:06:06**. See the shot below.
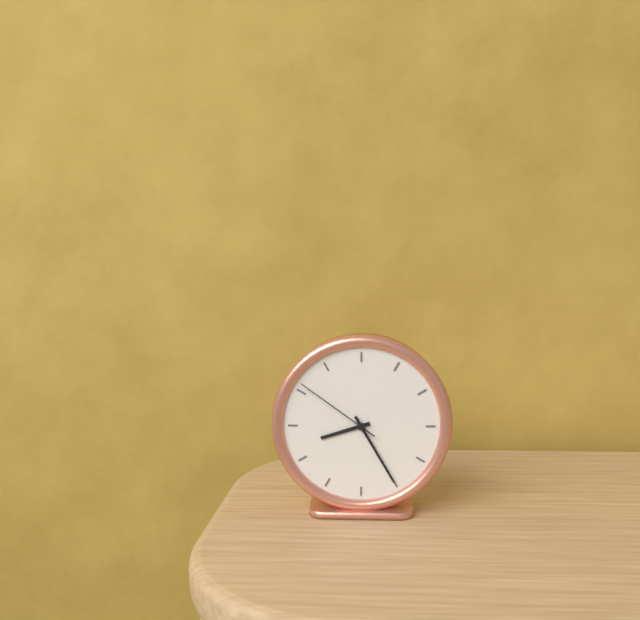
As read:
**8:25:51**
